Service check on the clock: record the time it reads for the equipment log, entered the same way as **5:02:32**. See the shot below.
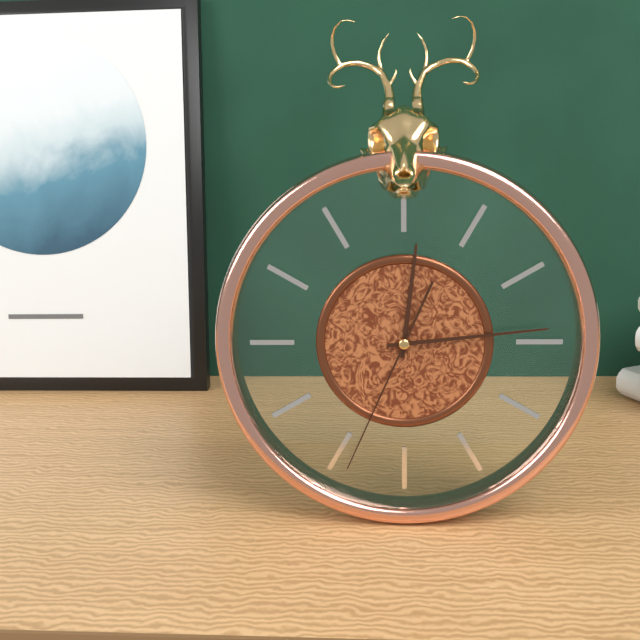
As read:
**12:14:34**
